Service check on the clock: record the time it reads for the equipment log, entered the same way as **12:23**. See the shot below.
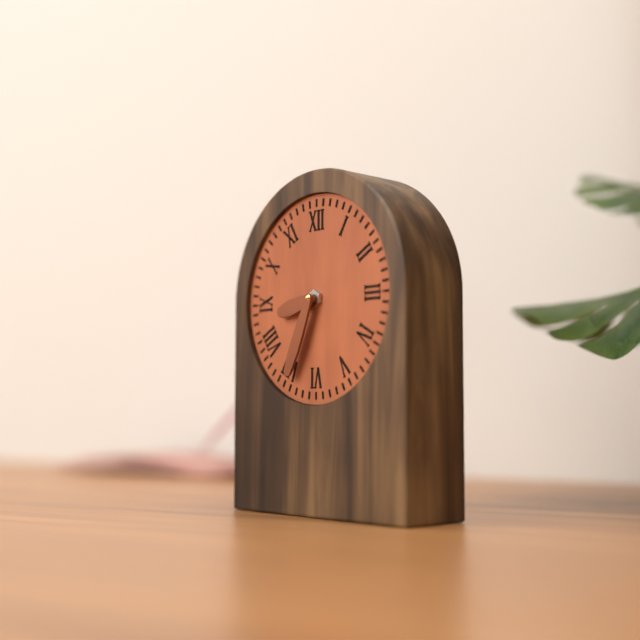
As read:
**8:34**
